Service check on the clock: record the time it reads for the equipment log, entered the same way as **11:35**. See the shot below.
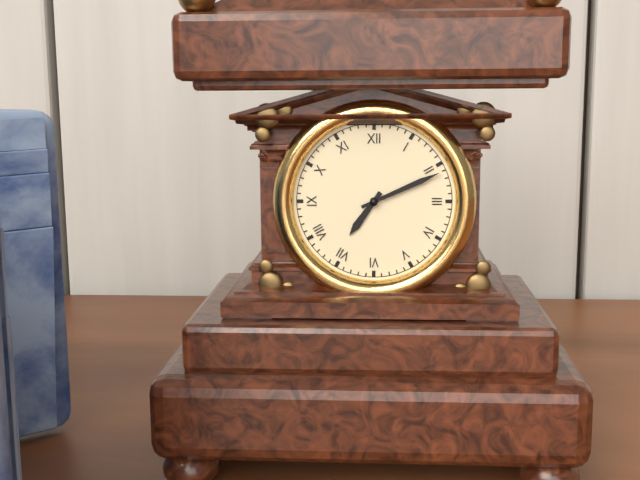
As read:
**7:11**
